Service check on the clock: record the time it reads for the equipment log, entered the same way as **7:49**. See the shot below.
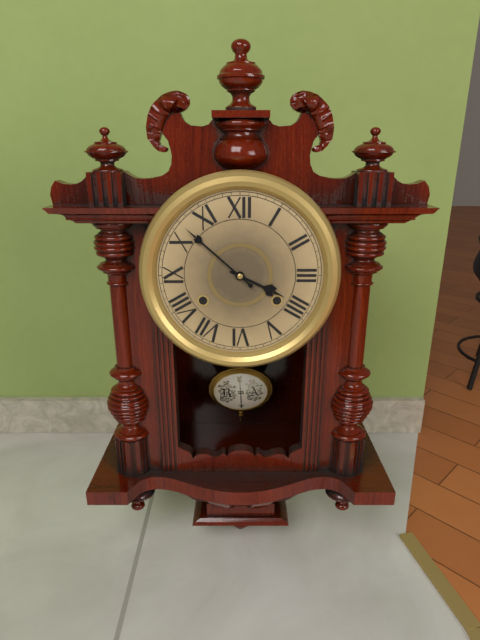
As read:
**3:52**
